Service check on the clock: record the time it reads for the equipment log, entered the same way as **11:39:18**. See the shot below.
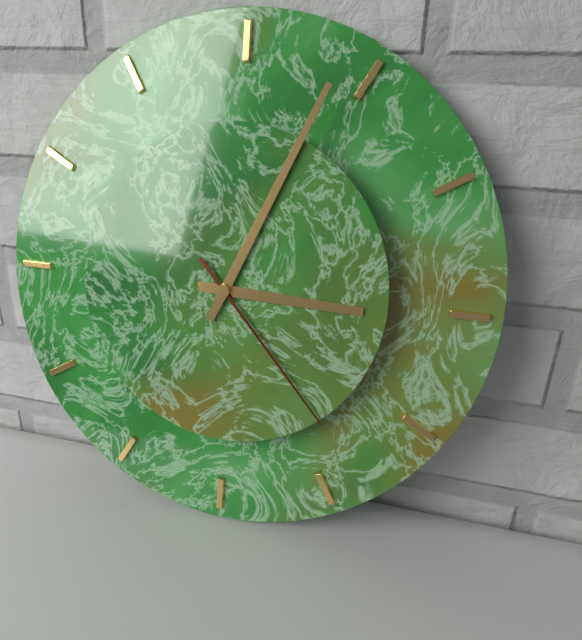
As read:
**3:04:23**
